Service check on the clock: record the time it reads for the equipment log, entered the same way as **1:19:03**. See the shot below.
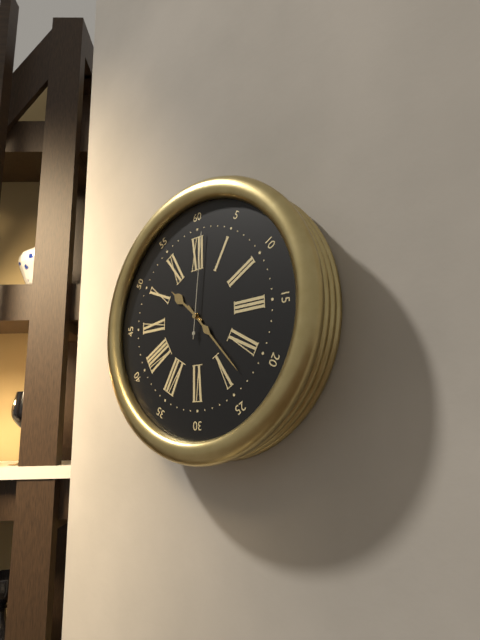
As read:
**10:23:01**
